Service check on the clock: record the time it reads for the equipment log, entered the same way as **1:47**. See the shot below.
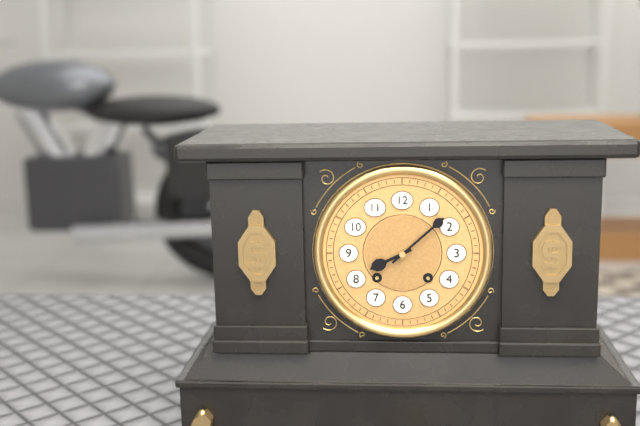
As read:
**8:08**
